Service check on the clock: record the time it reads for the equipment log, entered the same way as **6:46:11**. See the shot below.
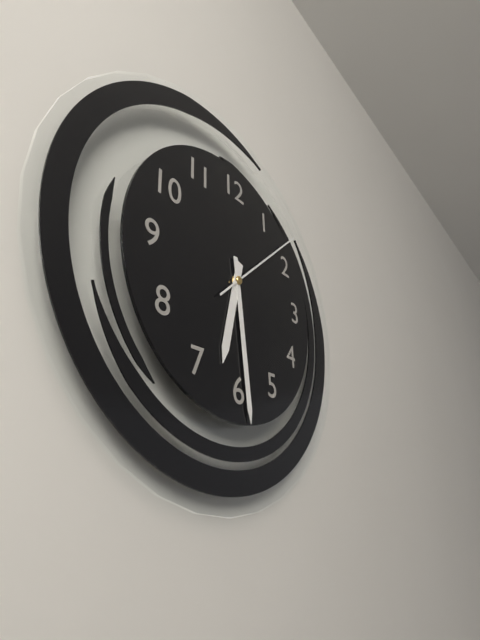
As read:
**6:29:08**
